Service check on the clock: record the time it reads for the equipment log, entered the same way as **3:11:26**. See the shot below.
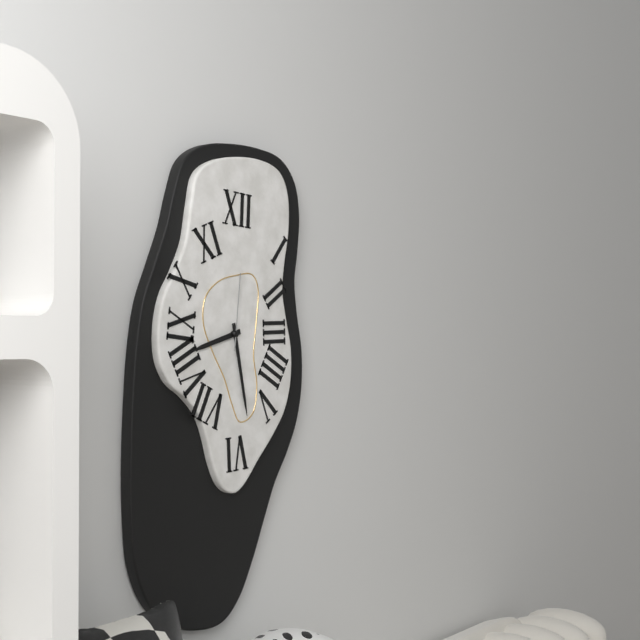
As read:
**8:28:01**
